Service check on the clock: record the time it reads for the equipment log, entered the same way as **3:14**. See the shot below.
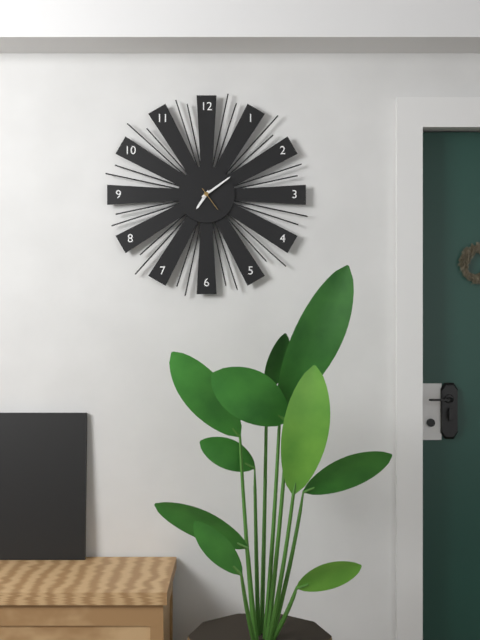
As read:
**7:09**
